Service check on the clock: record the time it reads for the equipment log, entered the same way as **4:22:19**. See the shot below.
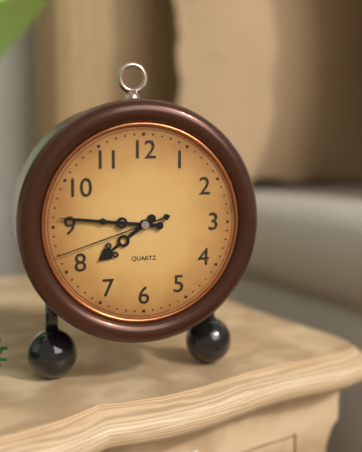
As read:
**7:46:42**
